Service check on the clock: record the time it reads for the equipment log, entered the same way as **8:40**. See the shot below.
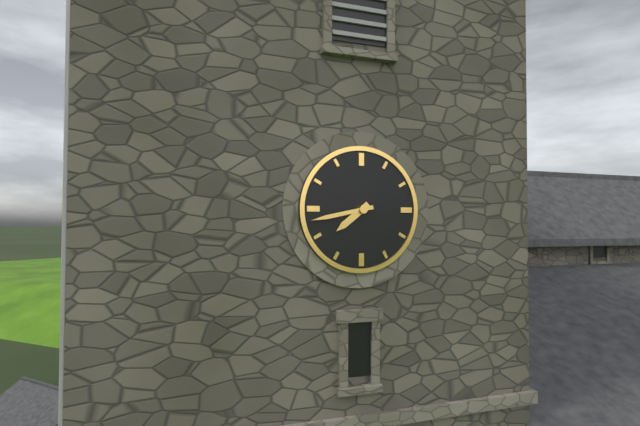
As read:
**7:43**
